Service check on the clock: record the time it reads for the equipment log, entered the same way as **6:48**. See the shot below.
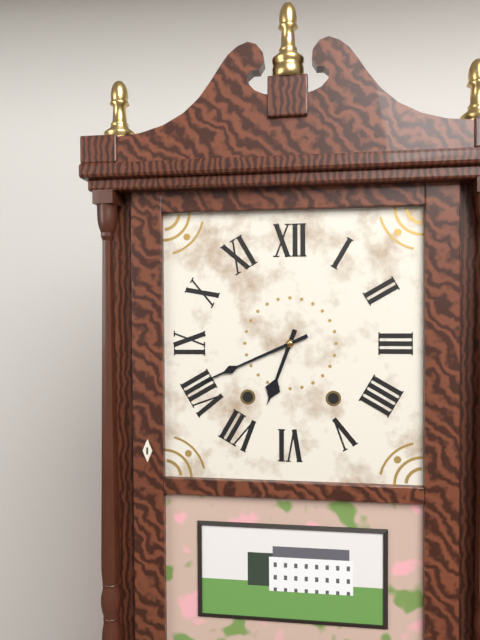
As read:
**6:41**
